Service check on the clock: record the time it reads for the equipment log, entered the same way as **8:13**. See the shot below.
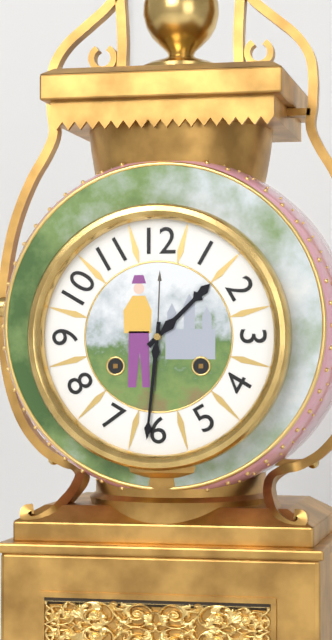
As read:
**1:31**
